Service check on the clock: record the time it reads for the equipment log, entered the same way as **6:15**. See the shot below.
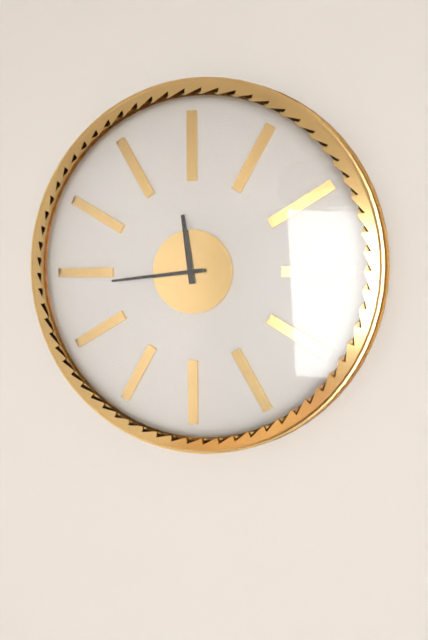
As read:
**11:44**
